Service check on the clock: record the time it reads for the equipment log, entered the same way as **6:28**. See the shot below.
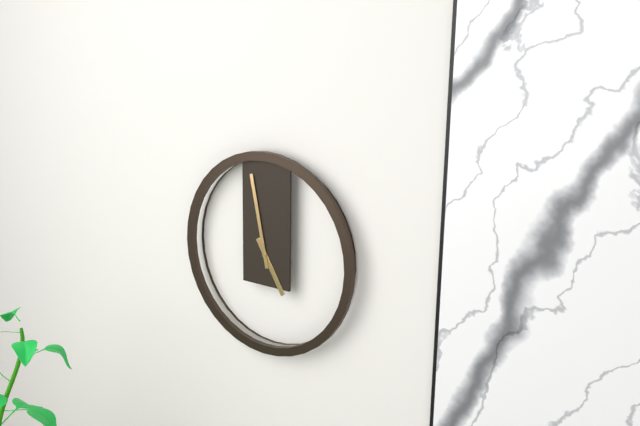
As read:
**4:58**
